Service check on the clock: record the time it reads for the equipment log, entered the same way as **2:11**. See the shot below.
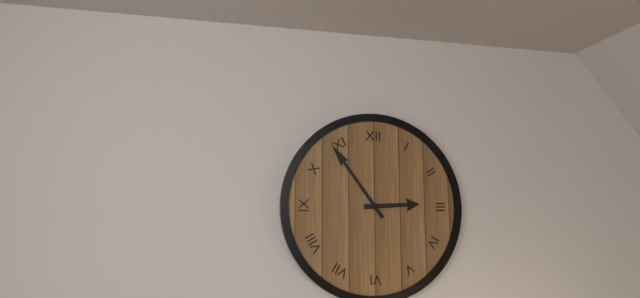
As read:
**2:54**
